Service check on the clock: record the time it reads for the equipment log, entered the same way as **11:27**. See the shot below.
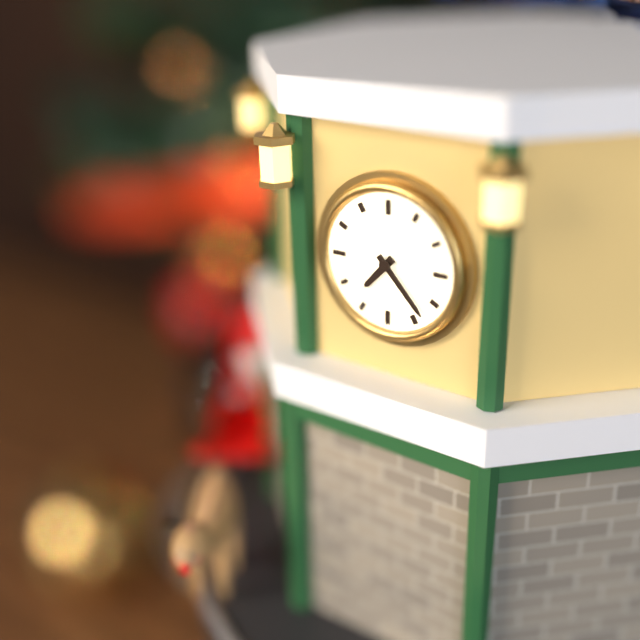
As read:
**7:23**
